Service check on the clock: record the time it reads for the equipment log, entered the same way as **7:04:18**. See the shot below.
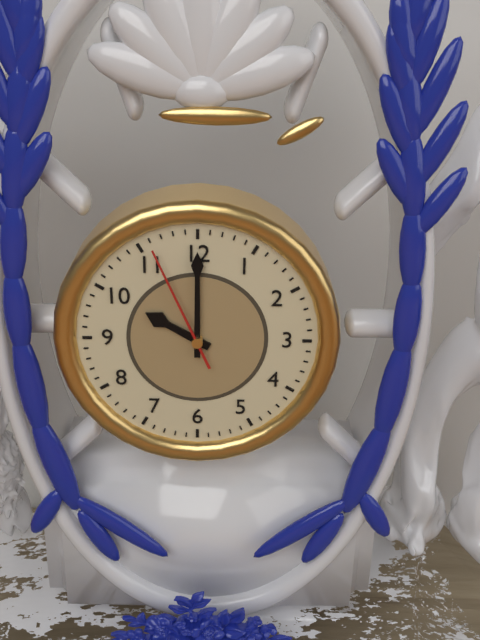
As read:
**10:00:56**
